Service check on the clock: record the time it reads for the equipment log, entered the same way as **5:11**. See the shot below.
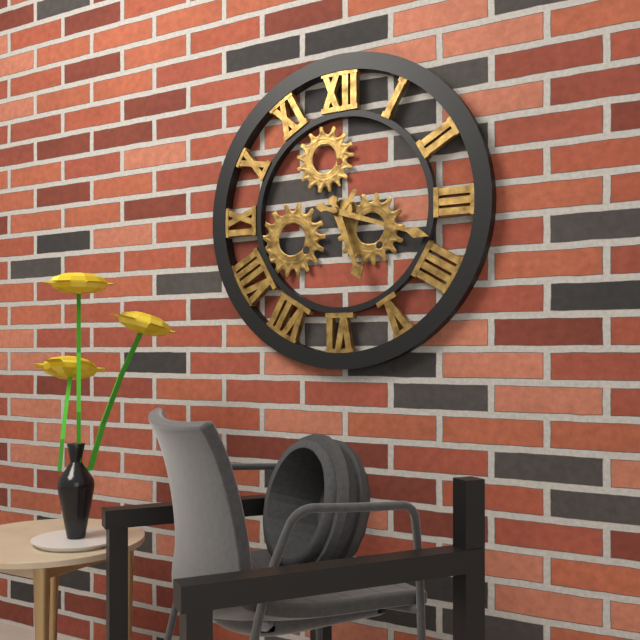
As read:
**5:18**
